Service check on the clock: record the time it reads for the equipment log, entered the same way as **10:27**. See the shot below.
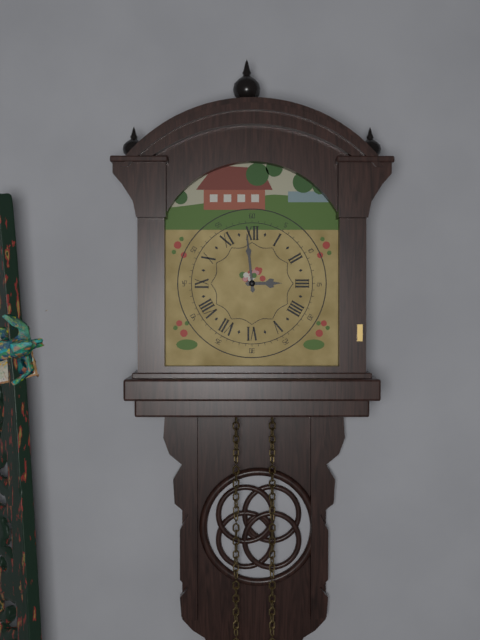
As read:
**2:59**
